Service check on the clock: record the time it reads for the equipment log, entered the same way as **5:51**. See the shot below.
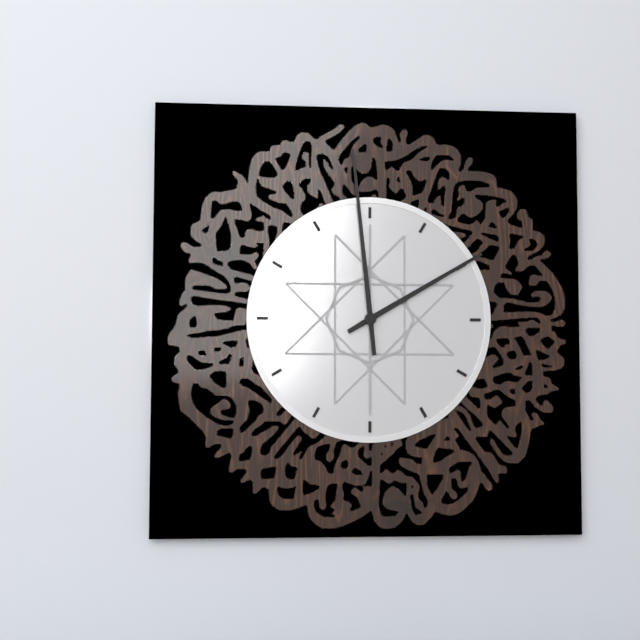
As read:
**1:59**
